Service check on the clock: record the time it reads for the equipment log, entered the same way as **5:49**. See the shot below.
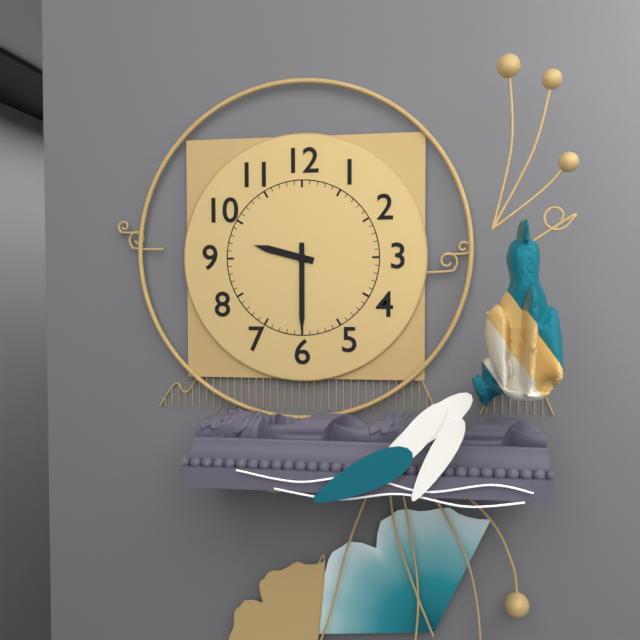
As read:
**9:30**
